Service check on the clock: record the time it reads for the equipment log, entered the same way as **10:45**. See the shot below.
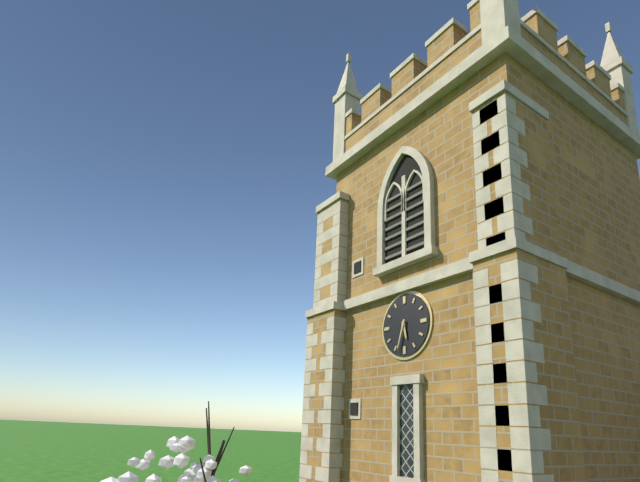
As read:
**5:33**
